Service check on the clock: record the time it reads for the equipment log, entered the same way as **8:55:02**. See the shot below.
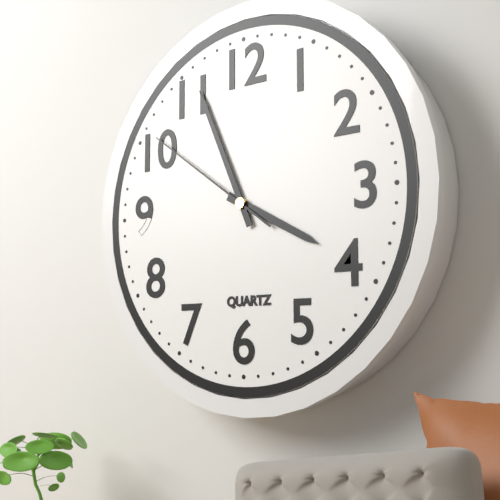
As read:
**3:56:51**
